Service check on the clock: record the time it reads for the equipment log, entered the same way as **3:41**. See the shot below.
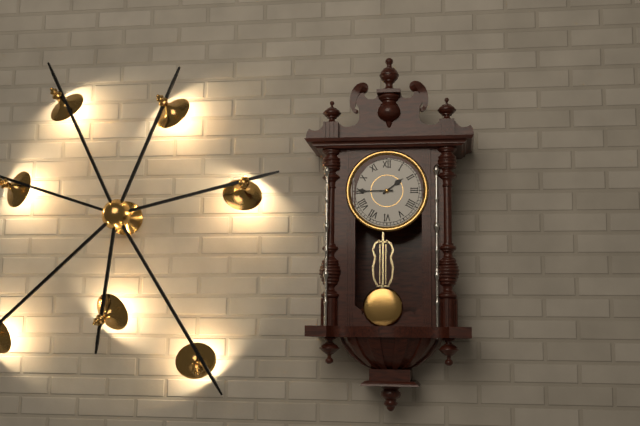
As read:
**1:45**
